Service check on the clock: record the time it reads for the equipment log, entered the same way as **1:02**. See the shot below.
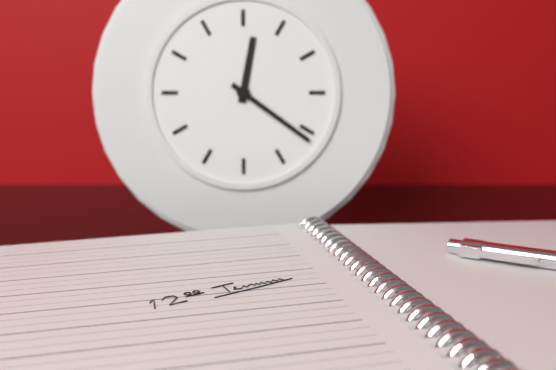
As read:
**12:21**
